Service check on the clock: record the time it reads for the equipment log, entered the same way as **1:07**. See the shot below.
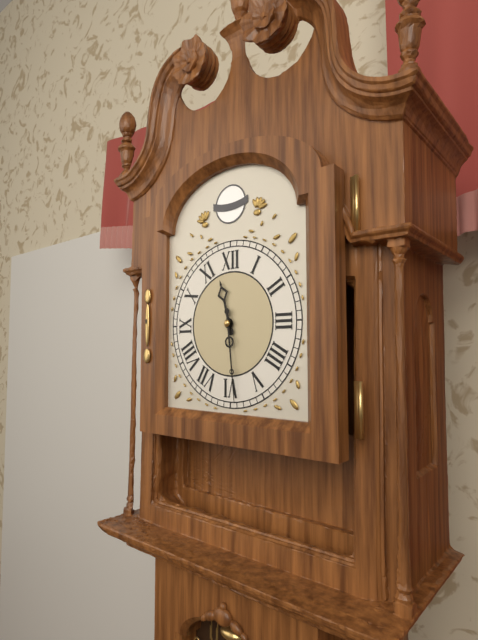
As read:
**11:29**
